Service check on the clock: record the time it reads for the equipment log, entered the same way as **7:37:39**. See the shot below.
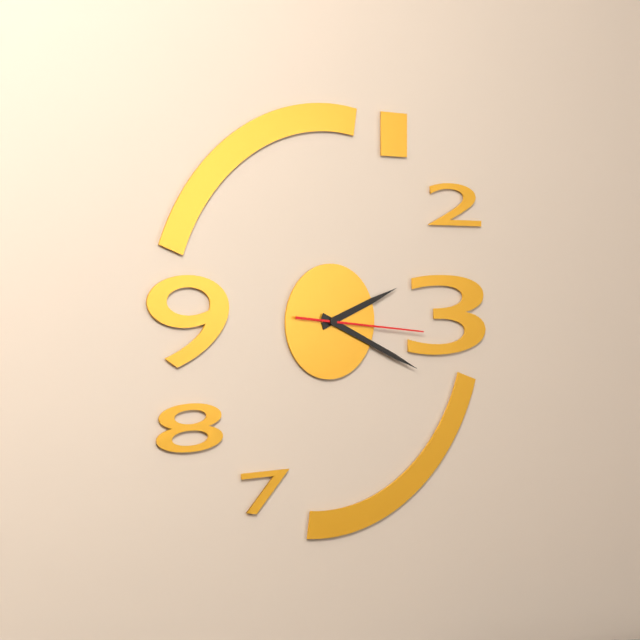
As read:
**2:19:16**
